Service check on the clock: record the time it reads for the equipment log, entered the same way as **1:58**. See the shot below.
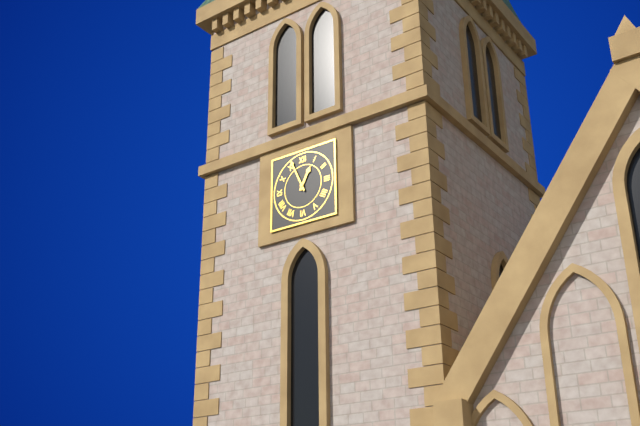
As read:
**12:56**
